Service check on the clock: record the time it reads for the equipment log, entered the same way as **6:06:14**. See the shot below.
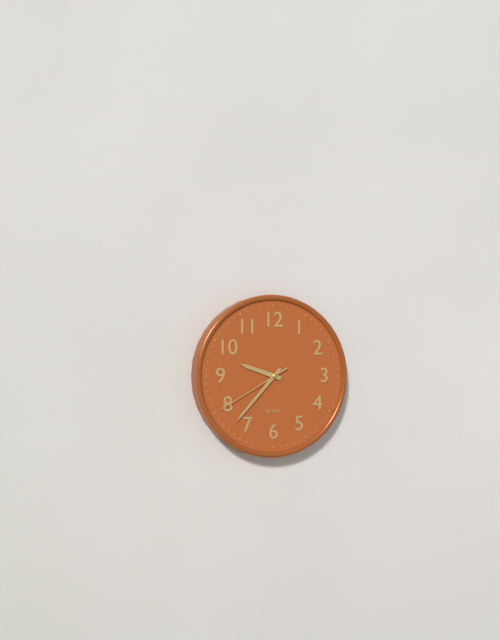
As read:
**9:37:40**
